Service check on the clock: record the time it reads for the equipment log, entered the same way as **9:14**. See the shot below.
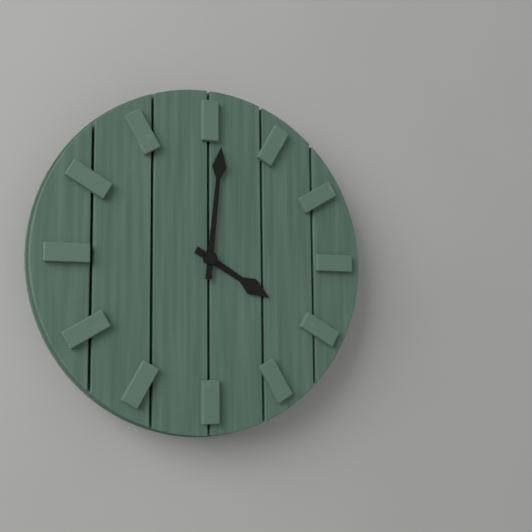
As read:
**4:01**
